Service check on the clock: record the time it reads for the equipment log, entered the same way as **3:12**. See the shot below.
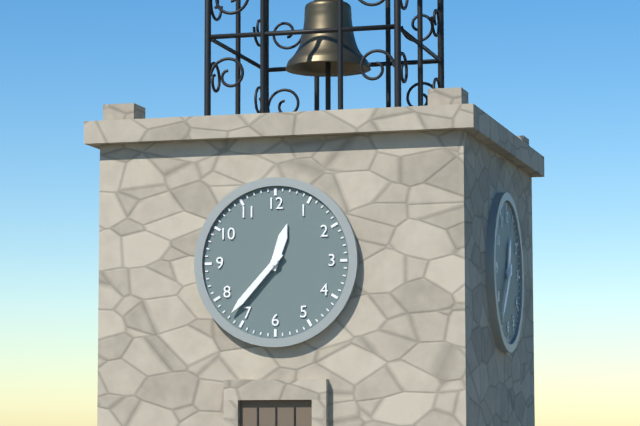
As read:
**12:37**
